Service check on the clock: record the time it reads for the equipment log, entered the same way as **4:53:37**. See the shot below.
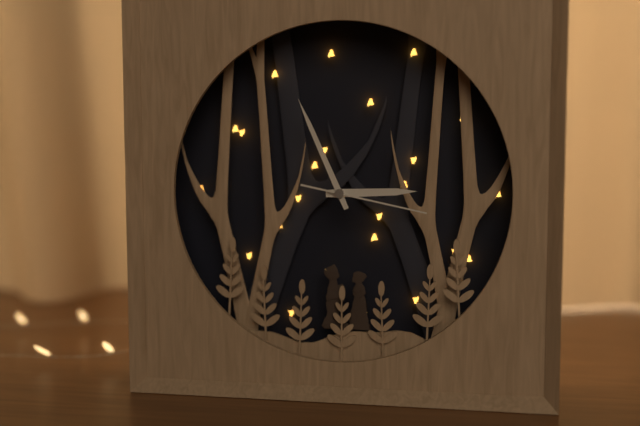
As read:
**2:56:17**
